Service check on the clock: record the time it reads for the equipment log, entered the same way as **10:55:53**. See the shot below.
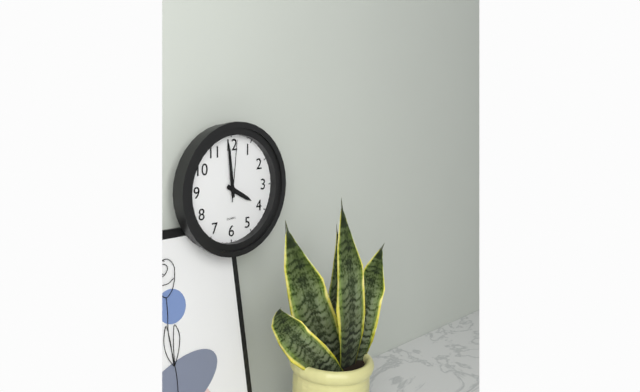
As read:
**3:59:01**
